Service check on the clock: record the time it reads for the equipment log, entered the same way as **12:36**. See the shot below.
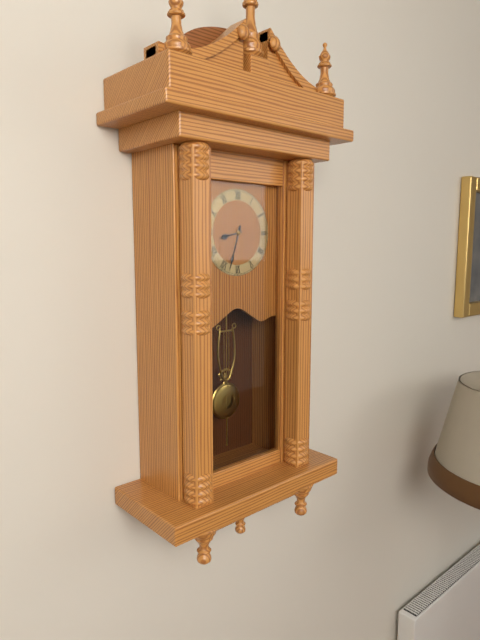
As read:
**8:33**
